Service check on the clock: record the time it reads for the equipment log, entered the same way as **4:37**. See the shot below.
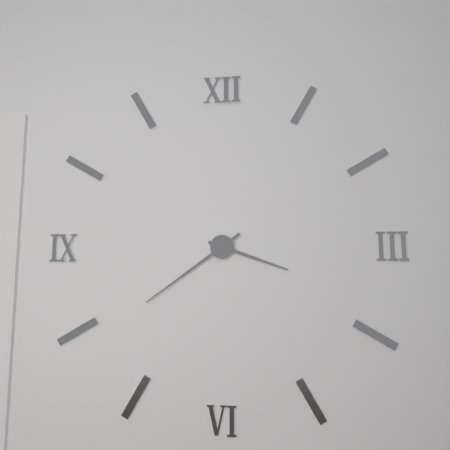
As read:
**3:39**
